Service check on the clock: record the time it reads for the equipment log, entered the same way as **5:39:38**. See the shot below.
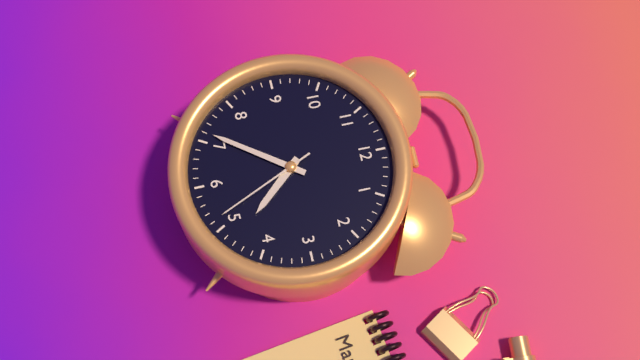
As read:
**4:36:26**
